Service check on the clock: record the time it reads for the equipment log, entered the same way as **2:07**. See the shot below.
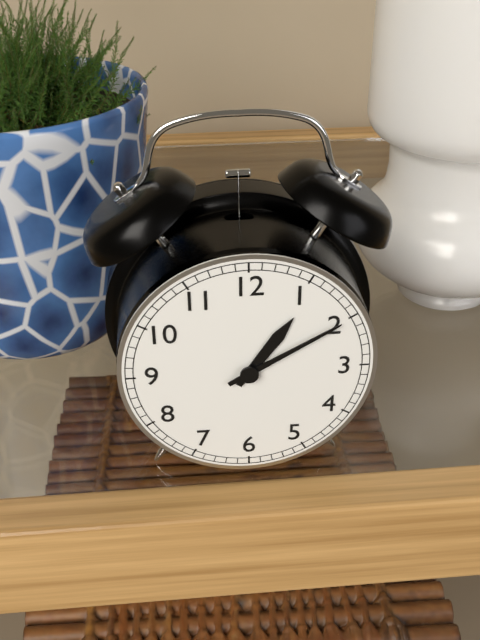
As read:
**1:10**
